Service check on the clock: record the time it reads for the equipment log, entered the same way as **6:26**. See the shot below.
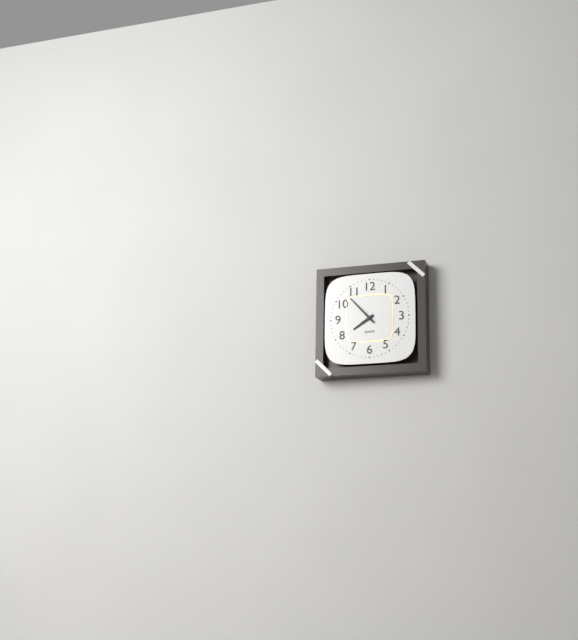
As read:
**7:53**
